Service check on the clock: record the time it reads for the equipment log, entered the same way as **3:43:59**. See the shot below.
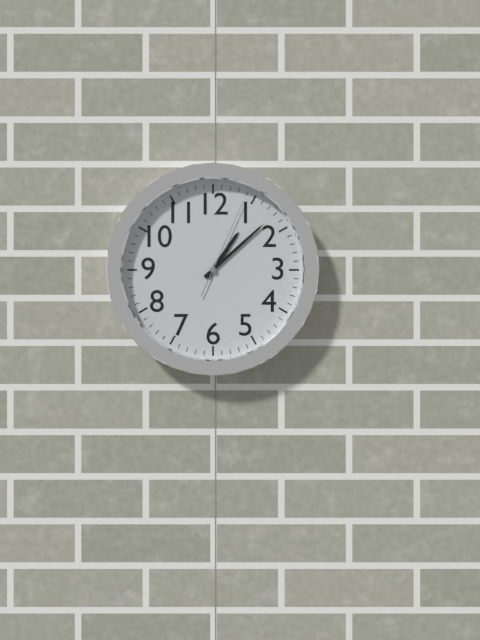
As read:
**1:08:04**
